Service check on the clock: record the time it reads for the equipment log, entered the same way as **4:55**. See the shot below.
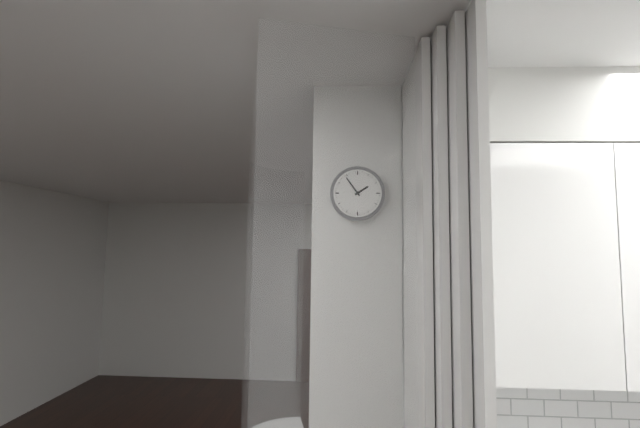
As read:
**1:54**
